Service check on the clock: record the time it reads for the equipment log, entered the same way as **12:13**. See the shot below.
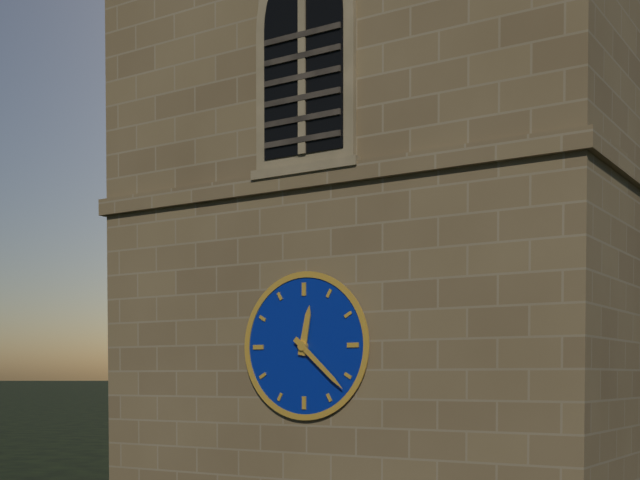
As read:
**12:22**
